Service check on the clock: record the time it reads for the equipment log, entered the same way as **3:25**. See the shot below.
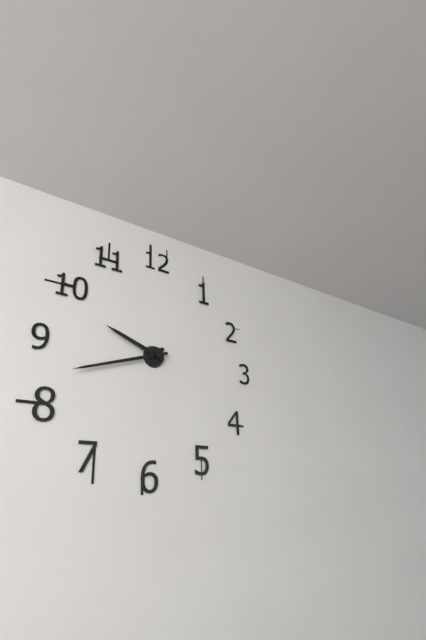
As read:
**9:42**
